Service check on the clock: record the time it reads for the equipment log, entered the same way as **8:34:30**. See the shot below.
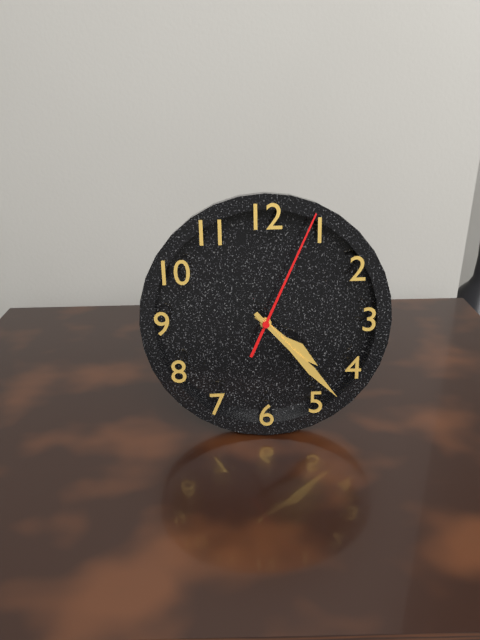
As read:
**4:23:04**
